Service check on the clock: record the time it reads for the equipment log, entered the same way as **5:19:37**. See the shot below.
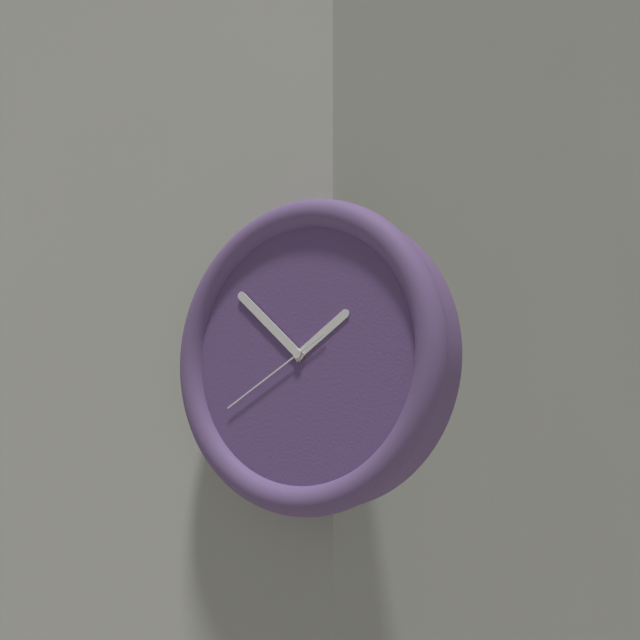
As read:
**1:52:40**
